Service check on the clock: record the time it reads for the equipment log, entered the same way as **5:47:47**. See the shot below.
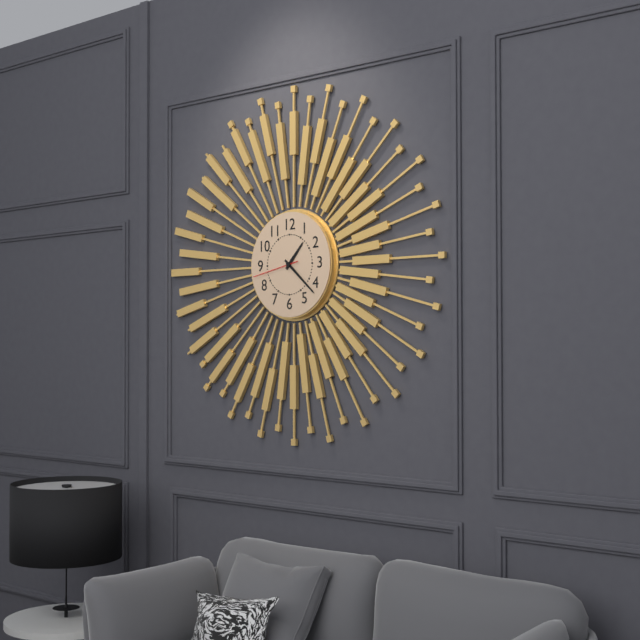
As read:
**1:22:43**
